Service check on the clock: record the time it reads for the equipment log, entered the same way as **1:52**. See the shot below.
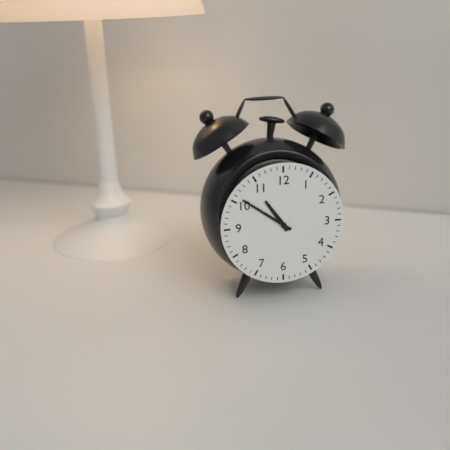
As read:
**10:51**
